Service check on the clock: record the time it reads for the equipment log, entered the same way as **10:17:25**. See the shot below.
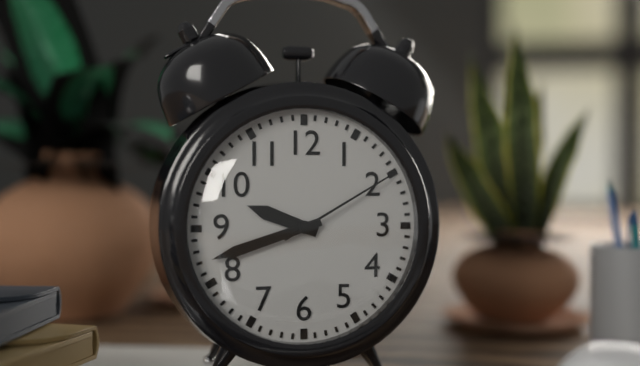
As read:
**9:42:10**
